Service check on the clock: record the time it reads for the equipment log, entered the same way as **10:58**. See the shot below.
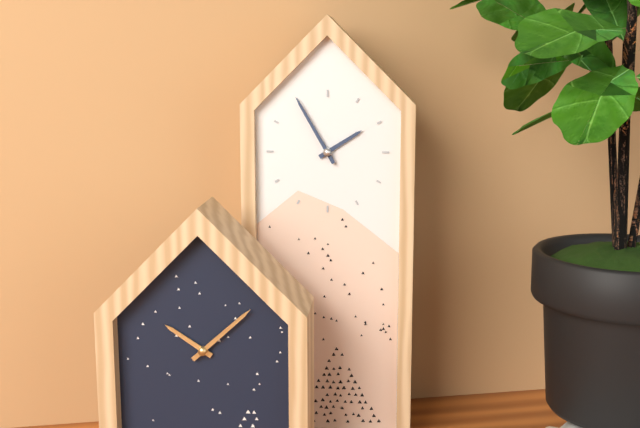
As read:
**1:55**
